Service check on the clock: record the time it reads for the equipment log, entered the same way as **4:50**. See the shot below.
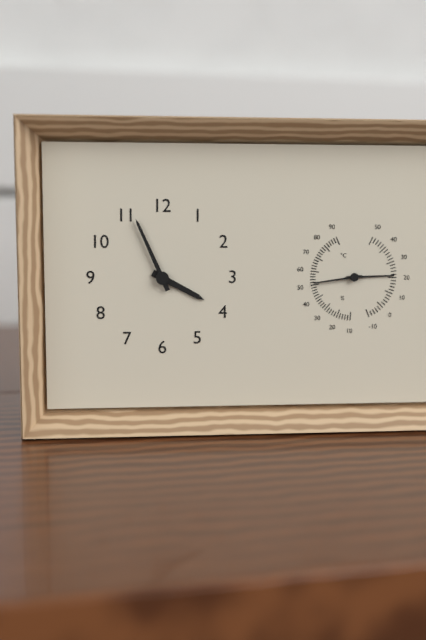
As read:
**3:56**
